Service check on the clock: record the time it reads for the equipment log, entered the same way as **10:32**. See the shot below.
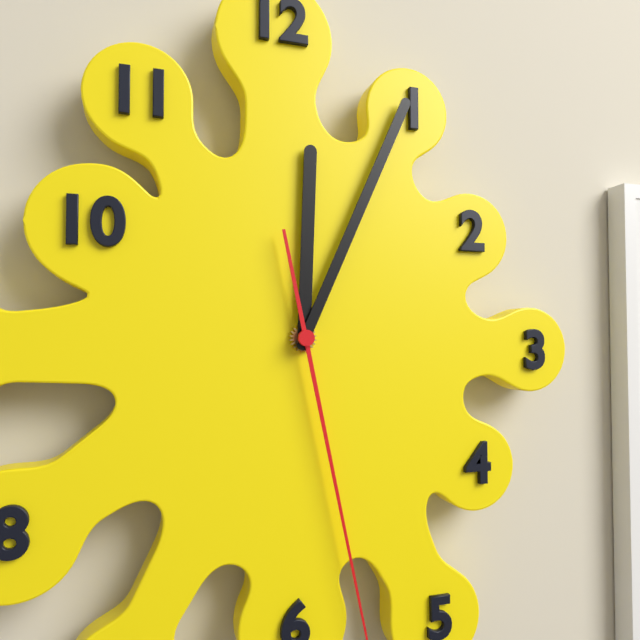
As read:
**12:04**
